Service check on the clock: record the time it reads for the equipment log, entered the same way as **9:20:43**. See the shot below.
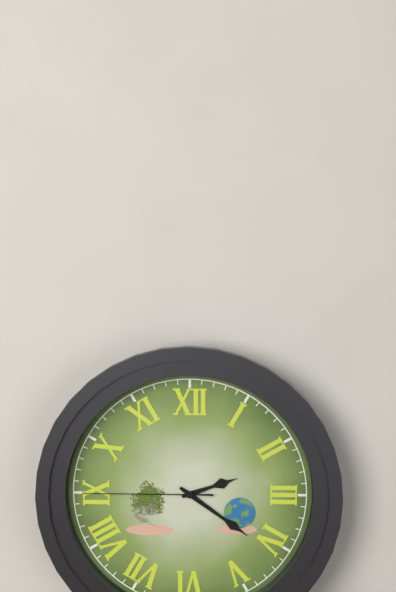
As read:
**2:21:45**
